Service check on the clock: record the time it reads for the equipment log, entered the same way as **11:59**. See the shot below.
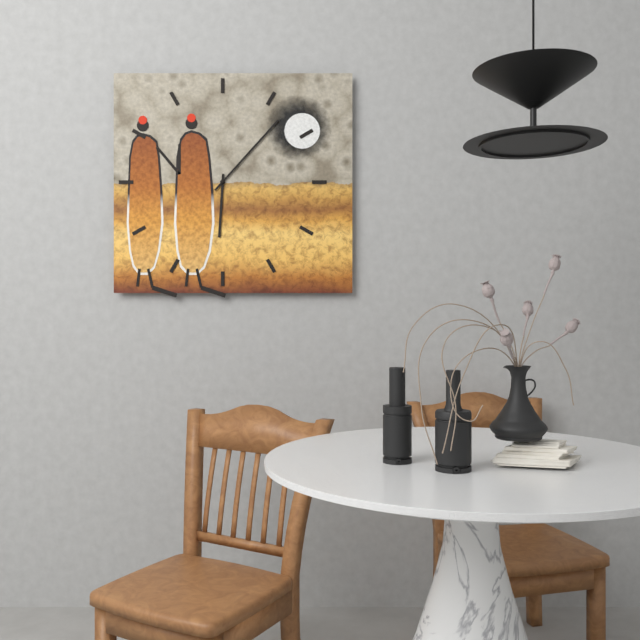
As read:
**6:07**
